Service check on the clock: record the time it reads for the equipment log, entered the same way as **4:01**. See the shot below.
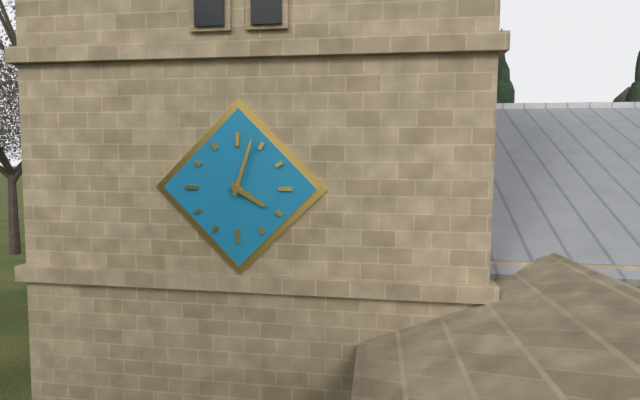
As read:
**4:03**
